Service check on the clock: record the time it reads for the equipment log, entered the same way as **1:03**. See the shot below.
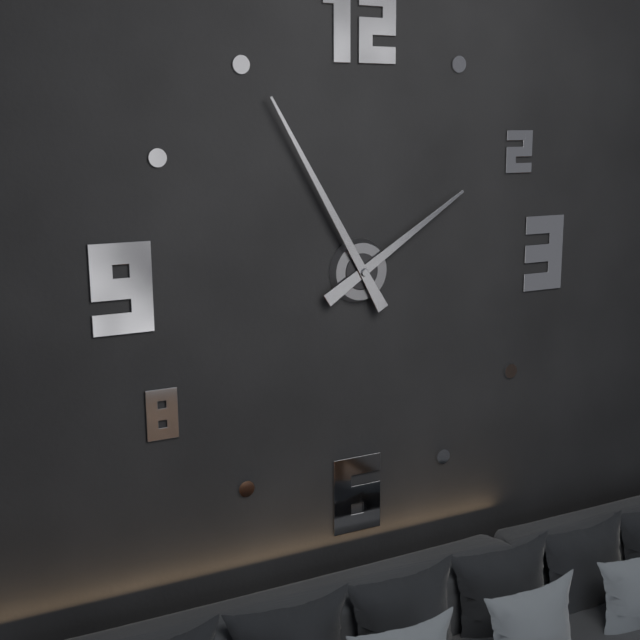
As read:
**1:55**
